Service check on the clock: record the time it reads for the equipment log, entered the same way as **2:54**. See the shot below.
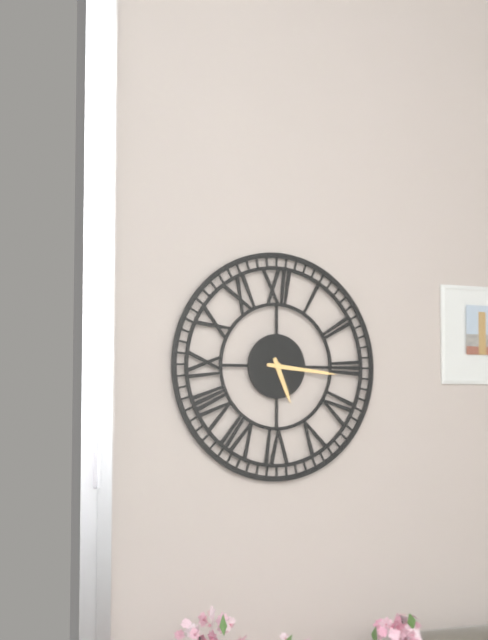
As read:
**5:16**
